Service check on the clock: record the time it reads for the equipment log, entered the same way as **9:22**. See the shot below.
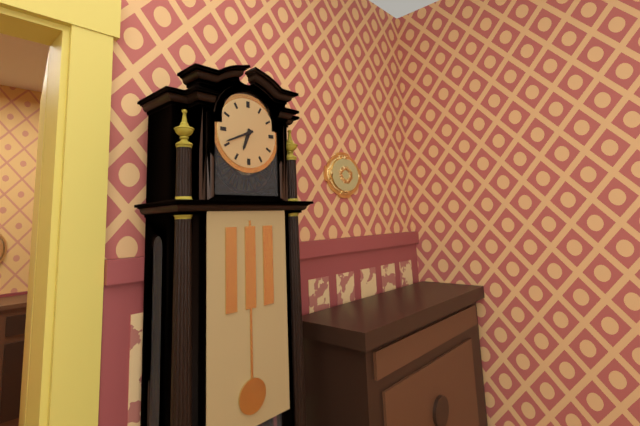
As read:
**6:41**
